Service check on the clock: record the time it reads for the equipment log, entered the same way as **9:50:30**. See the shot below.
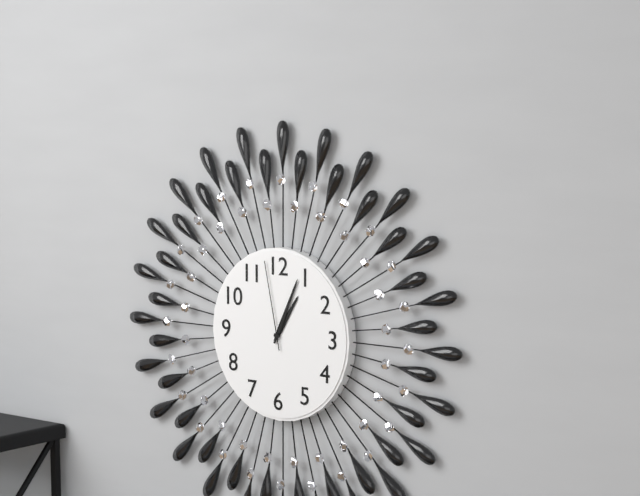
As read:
**1:04:58**
